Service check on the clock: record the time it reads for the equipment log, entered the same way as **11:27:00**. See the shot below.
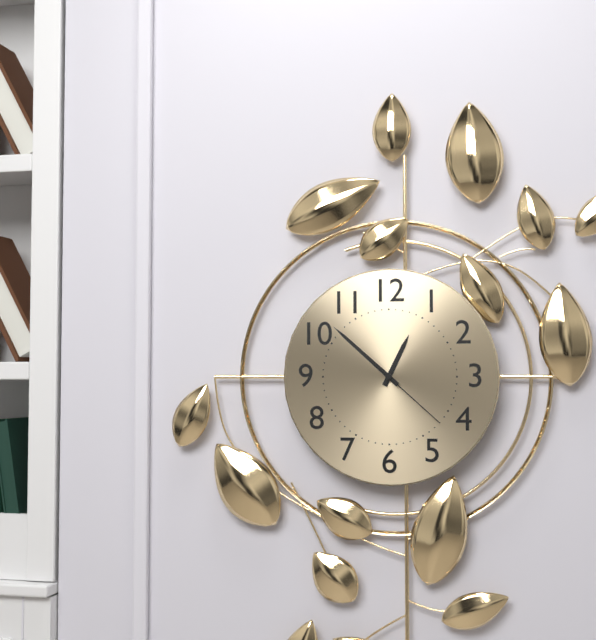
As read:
**12:52:22**
